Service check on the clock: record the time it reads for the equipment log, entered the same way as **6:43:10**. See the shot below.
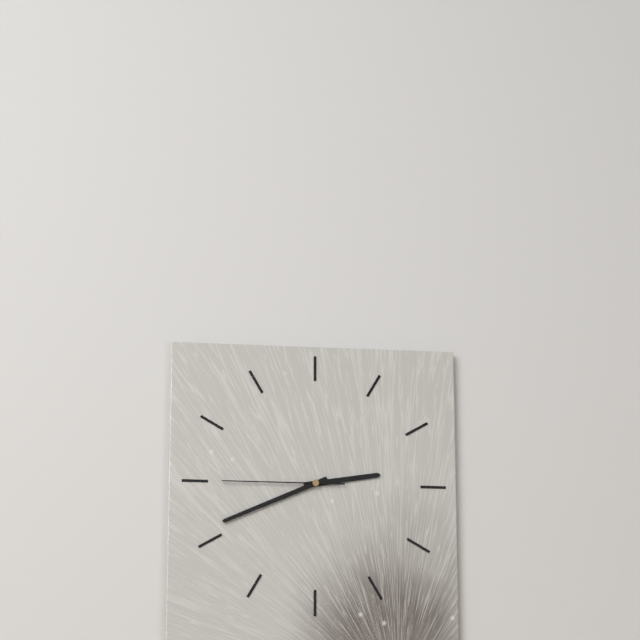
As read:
**2:41:45**
